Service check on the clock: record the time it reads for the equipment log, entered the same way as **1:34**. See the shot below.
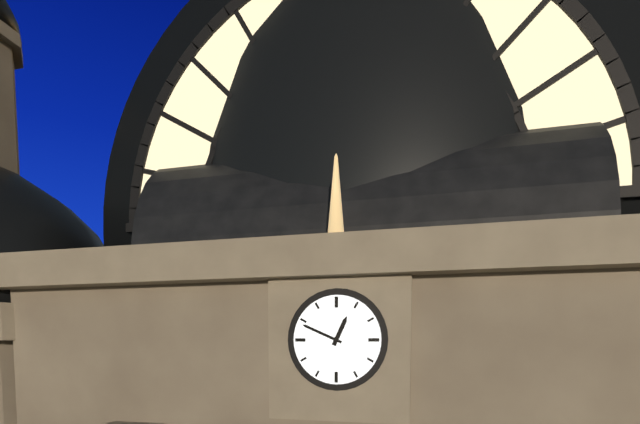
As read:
**12:49**
